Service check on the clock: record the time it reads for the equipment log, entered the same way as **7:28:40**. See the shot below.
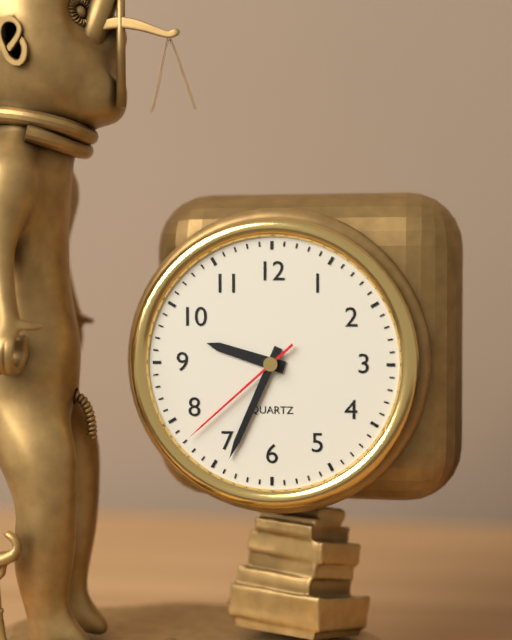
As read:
**9:34:38**
